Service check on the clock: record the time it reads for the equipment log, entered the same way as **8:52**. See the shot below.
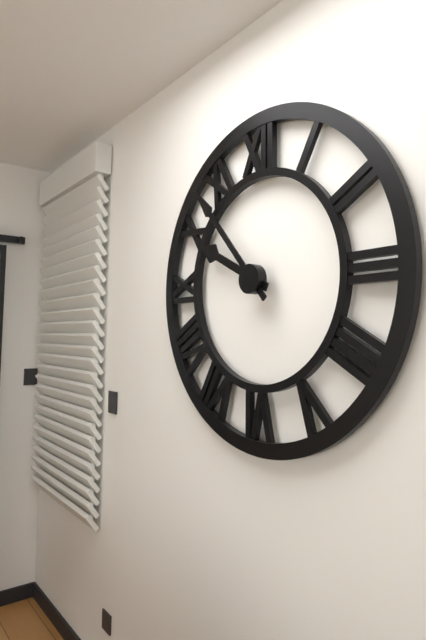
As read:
**9:53**
